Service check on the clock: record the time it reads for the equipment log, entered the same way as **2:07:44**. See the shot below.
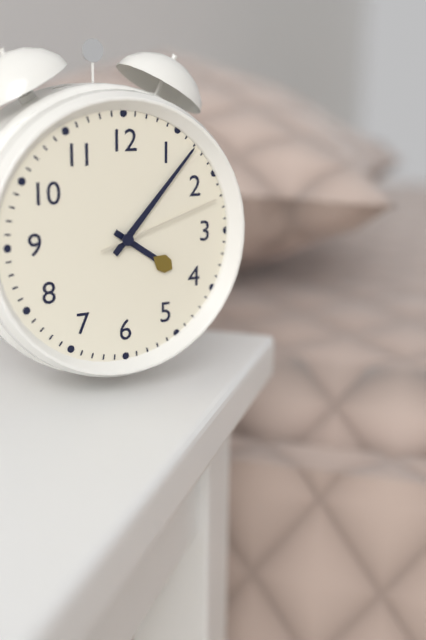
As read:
**4:07:12**
